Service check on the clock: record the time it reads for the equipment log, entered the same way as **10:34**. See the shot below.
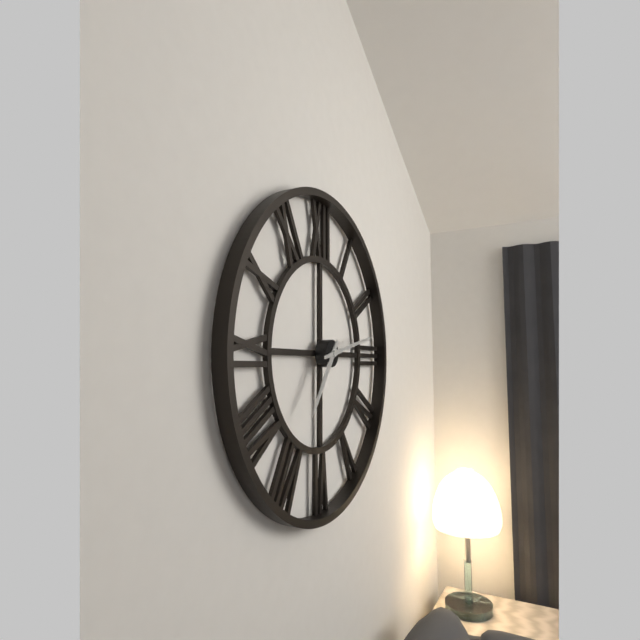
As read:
**7:13**
